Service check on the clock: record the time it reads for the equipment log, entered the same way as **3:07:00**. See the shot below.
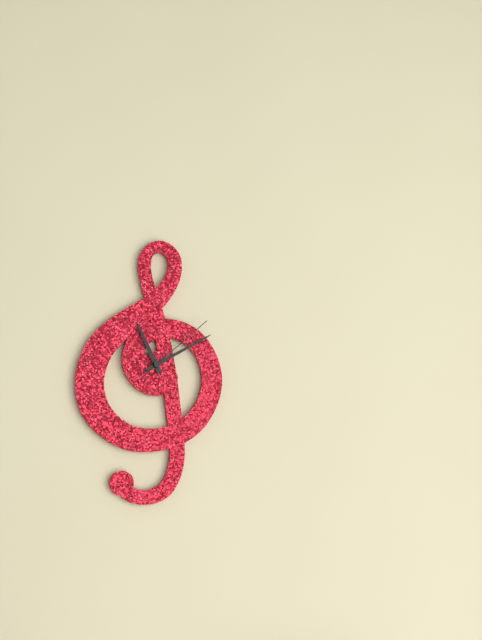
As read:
**11:10:08**
